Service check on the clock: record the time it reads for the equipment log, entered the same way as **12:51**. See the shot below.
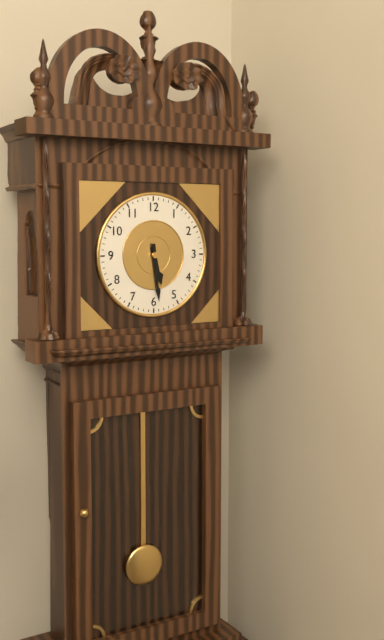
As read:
**5:29**
